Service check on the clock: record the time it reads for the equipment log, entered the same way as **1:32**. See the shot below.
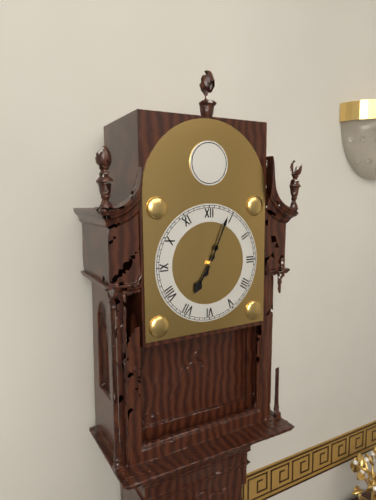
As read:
**7:04**
